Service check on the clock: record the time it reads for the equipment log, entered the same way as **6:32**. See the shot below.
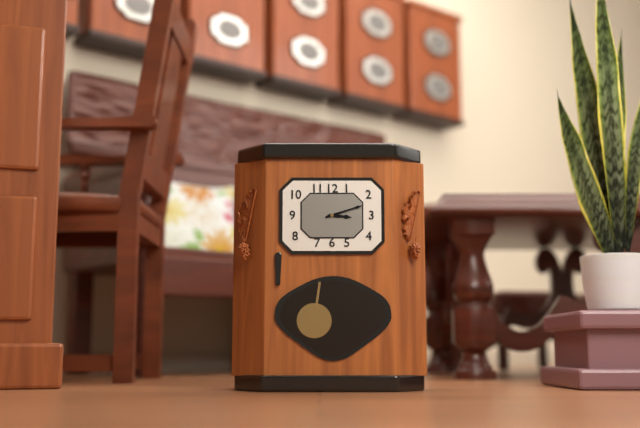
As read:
**3:12**
